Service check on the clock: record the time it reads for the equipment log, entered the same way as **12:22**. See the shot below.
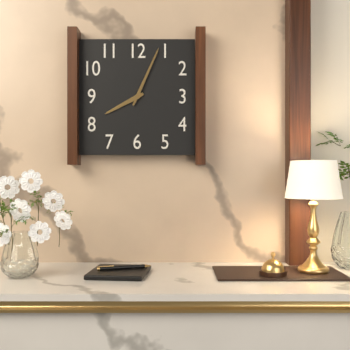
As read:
**8:04**
